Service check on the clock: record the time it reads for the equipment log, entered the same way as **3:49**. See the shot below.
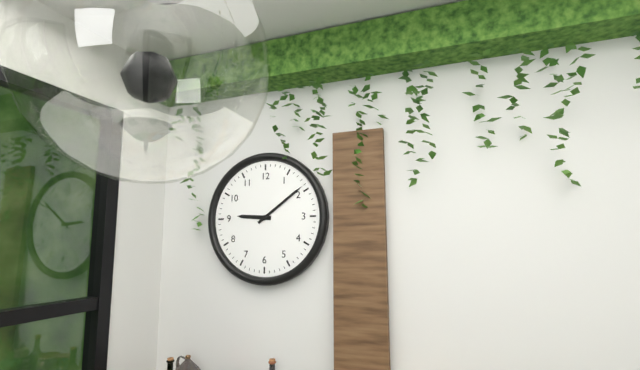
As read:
**9:09**
